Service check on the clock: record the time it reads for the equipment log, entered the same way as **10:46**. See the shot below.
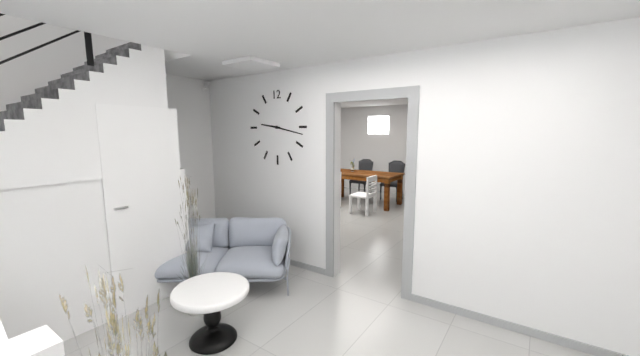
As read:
**9:17**
